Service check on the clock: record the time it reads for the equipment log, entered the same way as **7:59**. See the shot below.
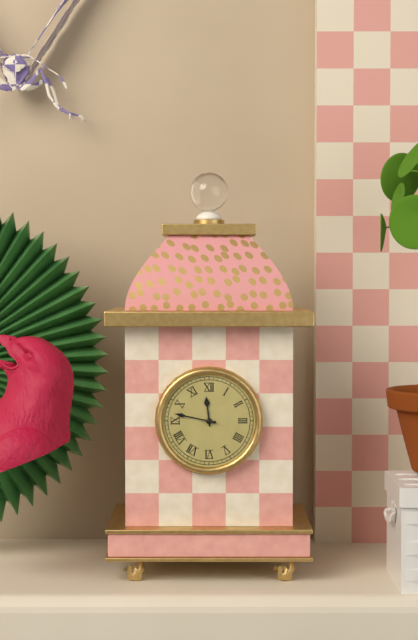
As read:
**11:47**
